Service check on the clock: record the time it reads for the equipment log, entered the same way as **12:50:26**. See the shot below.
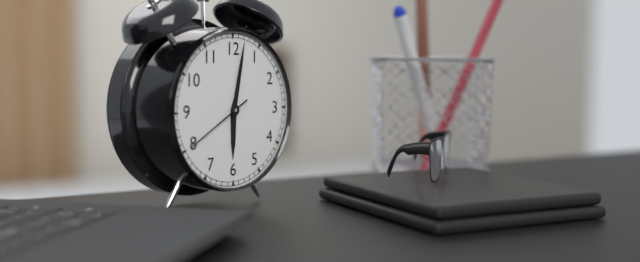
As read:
**6:02:40**
